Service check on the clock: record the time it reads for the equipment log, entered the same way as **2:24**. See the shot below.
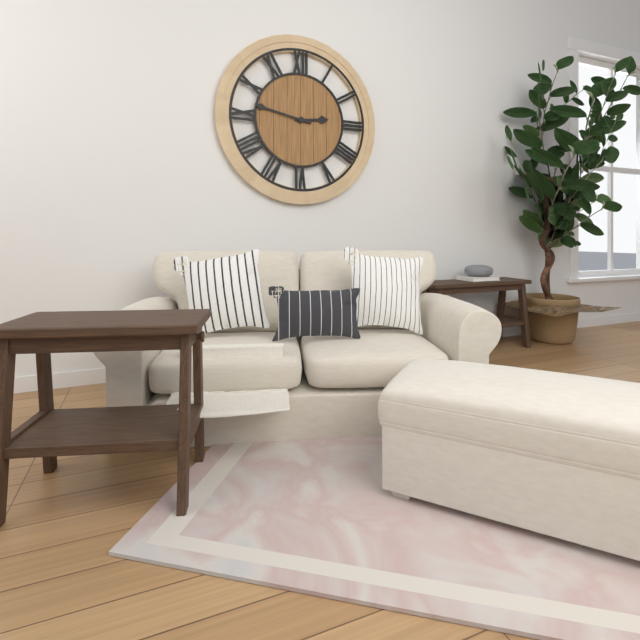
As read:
**2:47**
